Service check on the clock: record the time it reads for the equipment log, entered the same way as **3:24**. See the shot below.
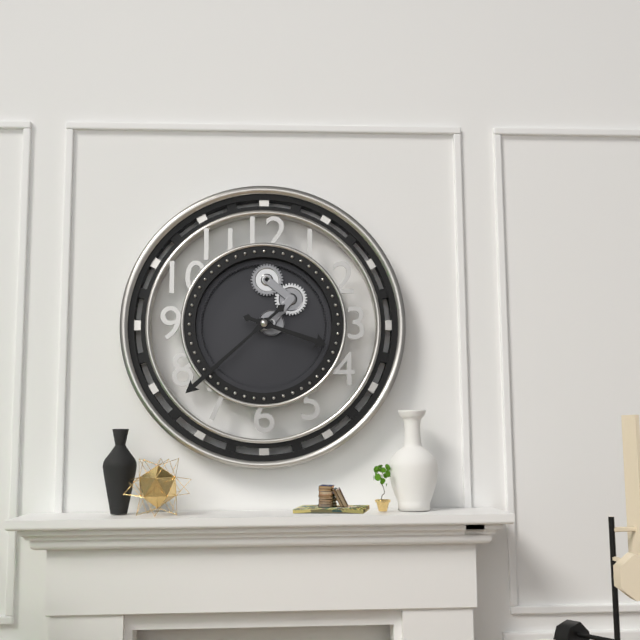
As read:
**3:38**
